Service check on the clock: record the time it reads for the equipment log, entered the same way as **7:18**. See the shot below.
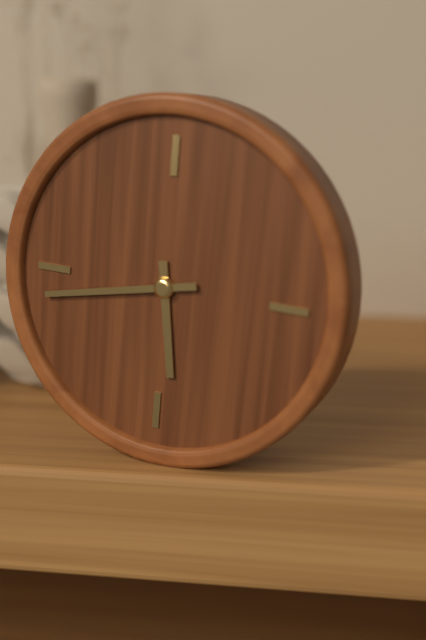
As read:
**5:43**
